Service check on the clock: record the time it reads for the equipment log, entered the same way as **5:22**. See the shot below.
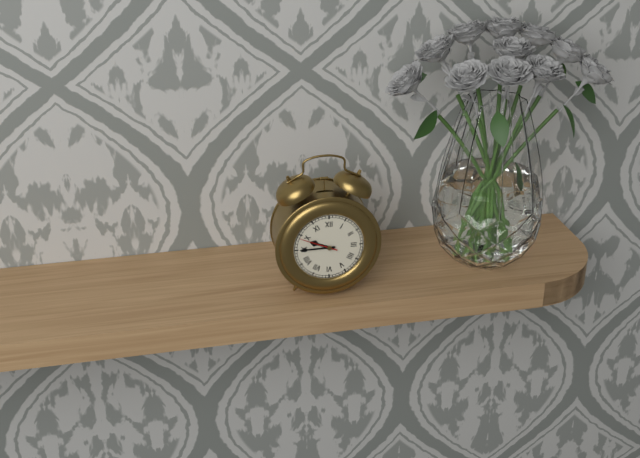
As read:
**9:45**
